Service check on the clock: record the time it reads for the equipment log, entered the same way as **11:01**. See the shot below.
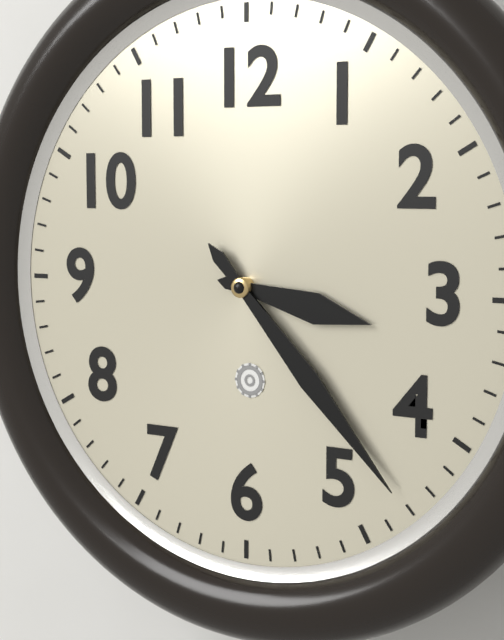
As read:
**3:23**
